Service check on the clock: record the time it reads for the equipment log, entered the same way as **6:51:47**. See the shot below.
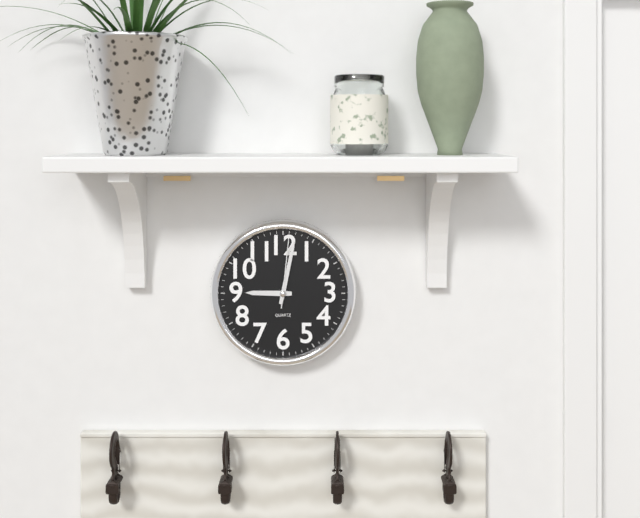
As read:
**9:02:01**
